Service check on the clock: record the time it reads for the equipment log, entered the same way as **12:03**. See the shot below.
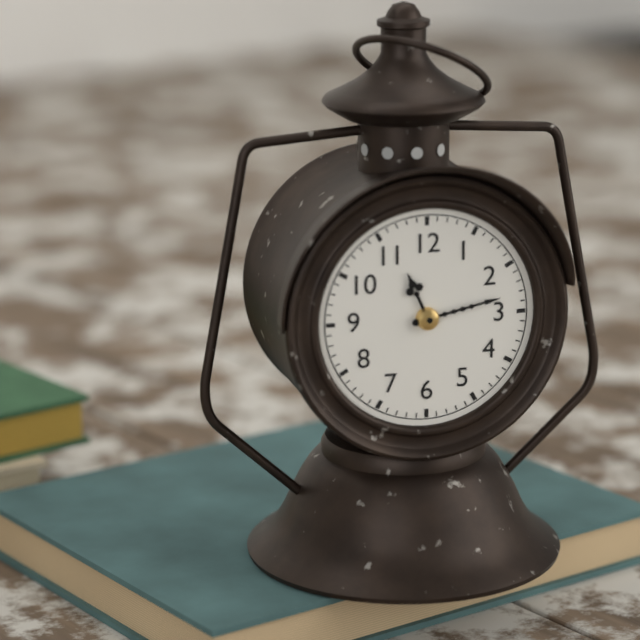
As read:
**11:13**
